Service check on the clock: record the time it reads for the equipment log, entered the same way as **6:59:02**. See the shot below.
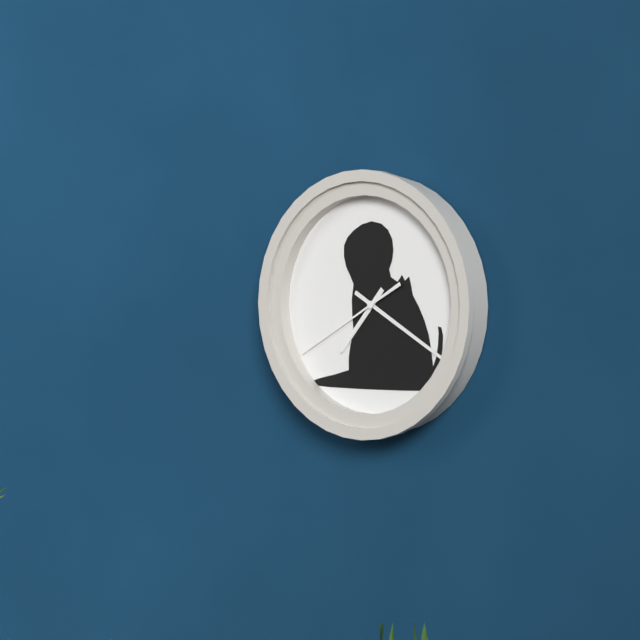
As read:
**7:20:40**
